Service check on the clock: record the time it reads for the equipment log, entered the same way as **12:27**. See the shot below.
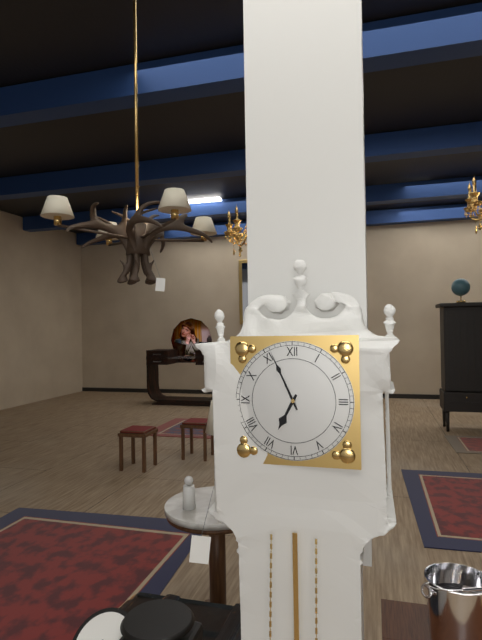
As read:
**6:56**
